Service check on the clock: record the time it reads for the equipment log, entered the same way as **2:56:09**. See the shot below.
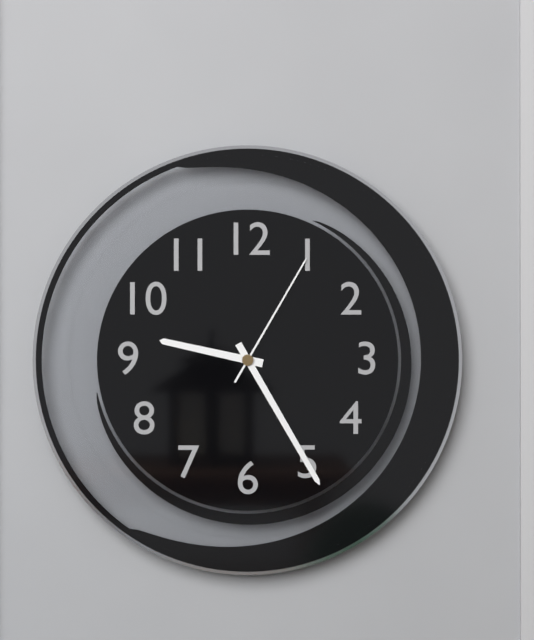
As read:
**9:25:05**
